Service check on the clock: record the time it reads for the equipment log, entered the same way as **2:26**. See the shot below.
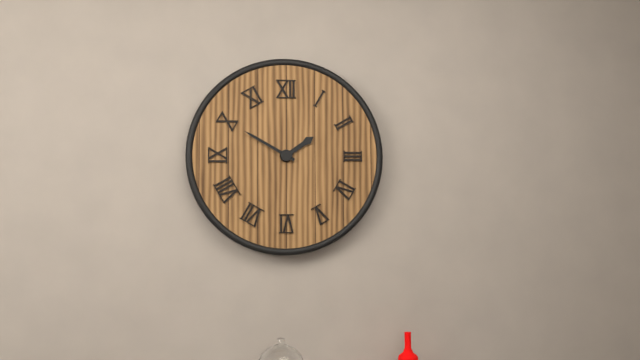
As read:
**1:50**
